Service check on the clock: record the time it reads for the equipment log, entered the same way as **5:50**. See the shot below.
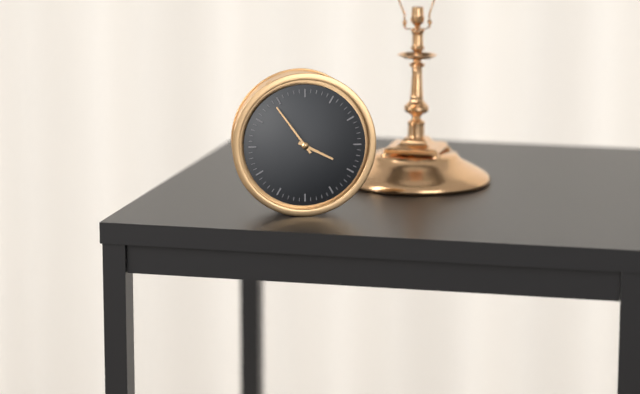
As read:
**3:54**
